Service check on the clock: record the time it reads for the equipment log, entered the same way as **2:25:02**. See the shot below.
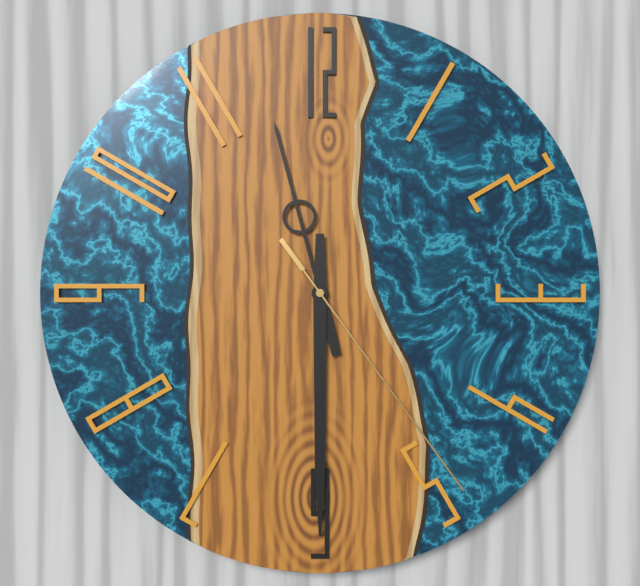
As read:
**11:30:24**
